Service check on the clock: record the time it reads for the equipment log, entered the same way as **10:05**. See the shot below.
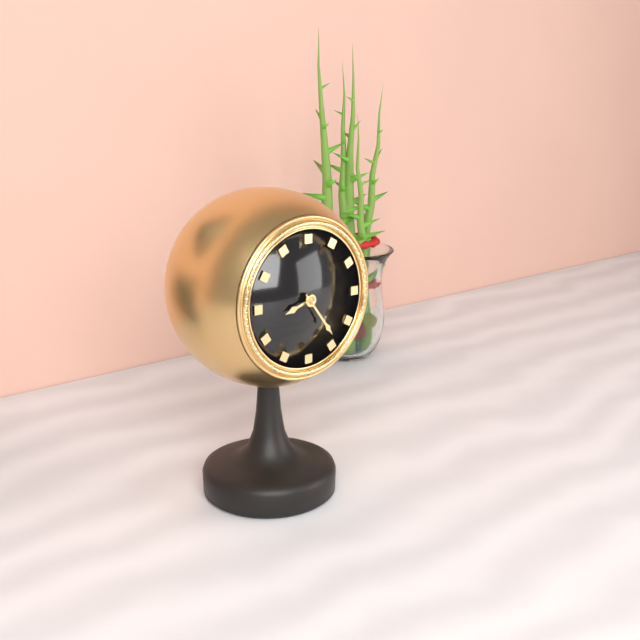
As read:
**8:24**
